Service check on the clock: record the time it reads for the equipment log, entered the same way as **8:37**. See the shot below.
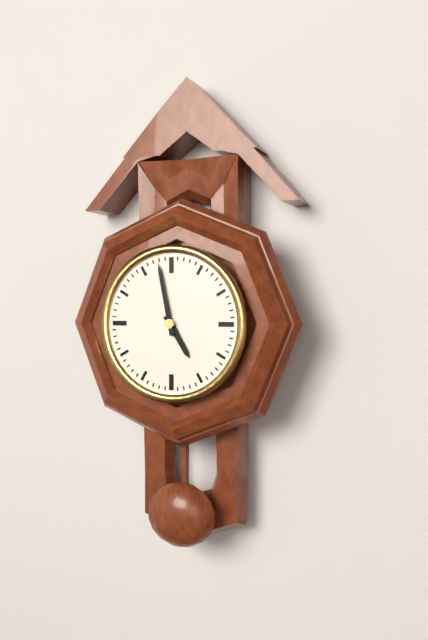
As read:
**4:58**
